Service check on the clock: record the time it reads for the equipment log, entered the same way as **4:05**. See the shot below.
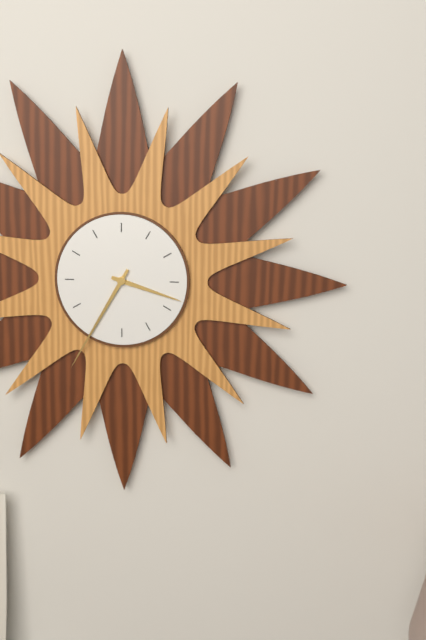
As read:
**3:35**
